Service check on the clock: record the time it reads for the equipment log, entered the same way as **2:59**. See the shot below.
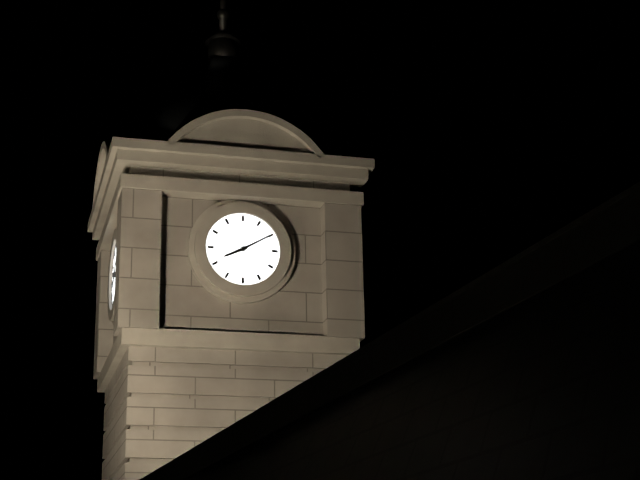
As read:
**8:10**
